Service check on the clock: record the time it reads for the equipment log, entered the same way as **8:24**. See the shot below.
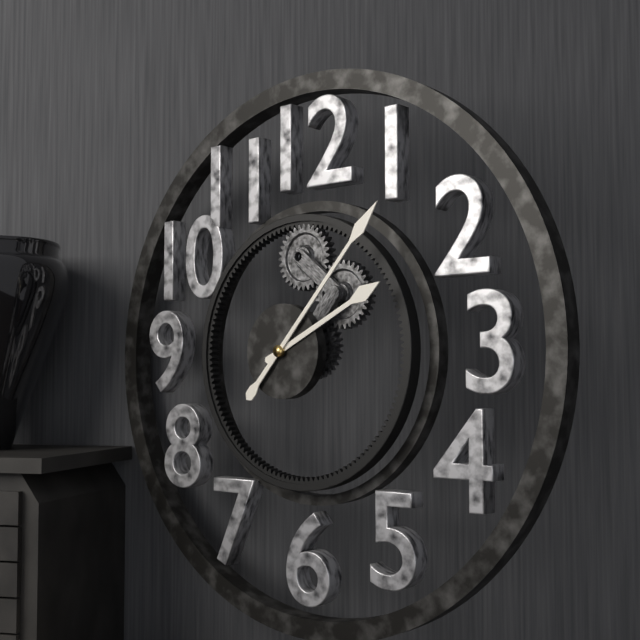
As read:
**2:07**
